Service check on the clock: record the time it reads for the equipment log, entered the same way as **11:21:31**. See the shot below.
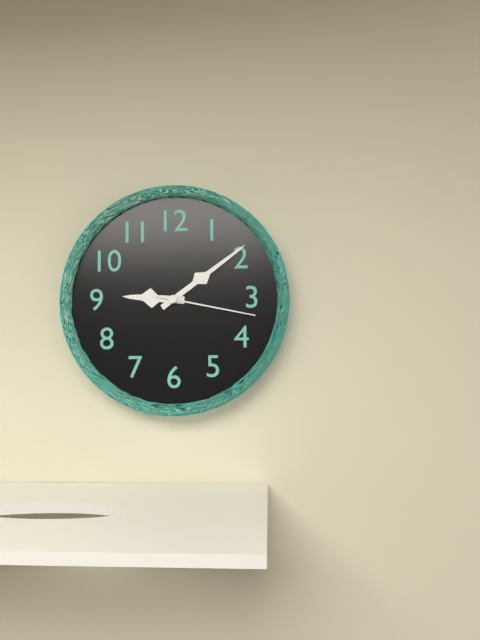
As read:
**9:09:17**
